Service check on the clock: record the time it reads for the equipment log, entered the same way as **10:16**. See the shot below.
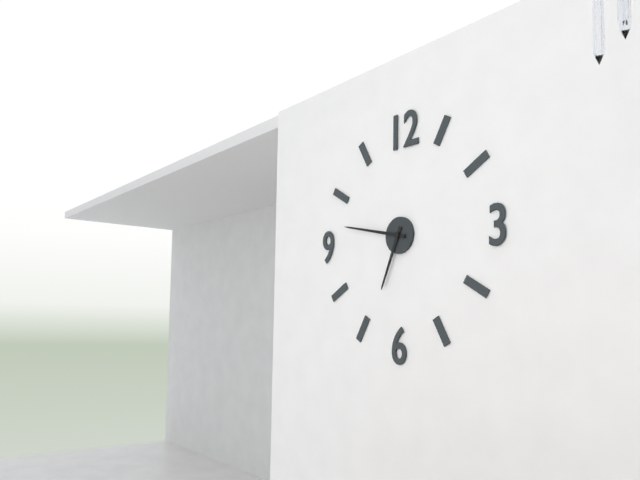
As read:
**6:47**
